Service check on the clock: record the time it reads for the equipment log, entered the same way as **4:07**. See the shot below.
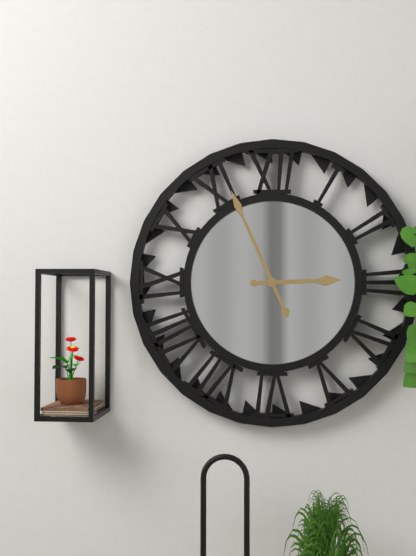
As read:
**2:56**
